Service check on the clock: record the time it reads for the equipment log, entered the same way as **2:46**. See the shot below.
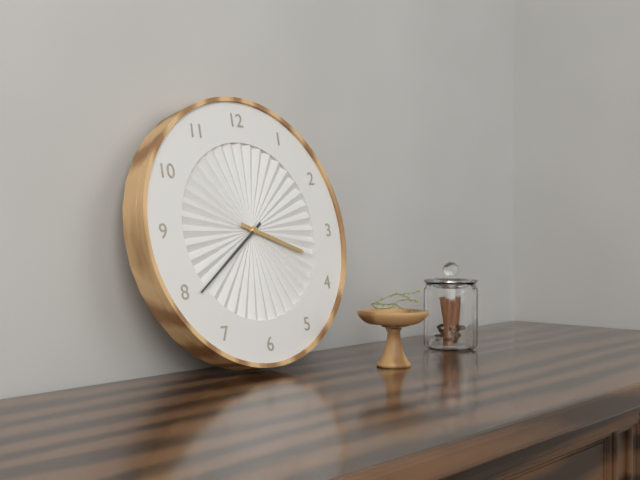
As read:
**3:39**
